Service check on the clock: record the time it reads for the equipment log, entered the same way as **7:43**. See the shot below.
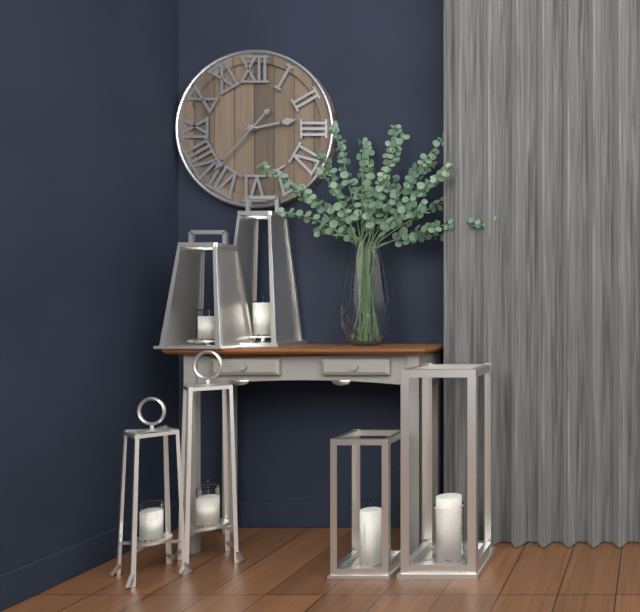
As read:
**2:37**
